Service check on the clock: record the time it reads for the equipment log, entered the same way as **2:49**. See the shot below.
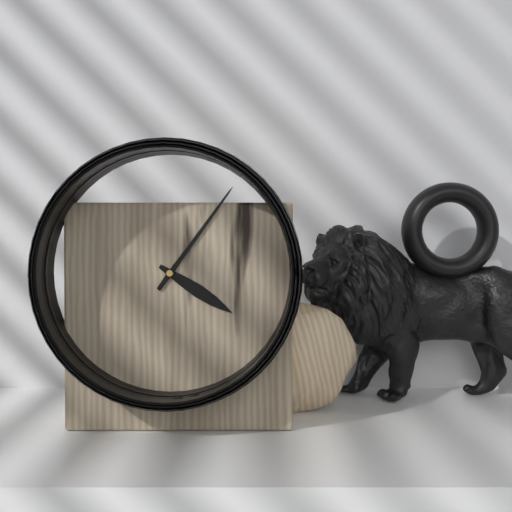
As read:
**4:06**
